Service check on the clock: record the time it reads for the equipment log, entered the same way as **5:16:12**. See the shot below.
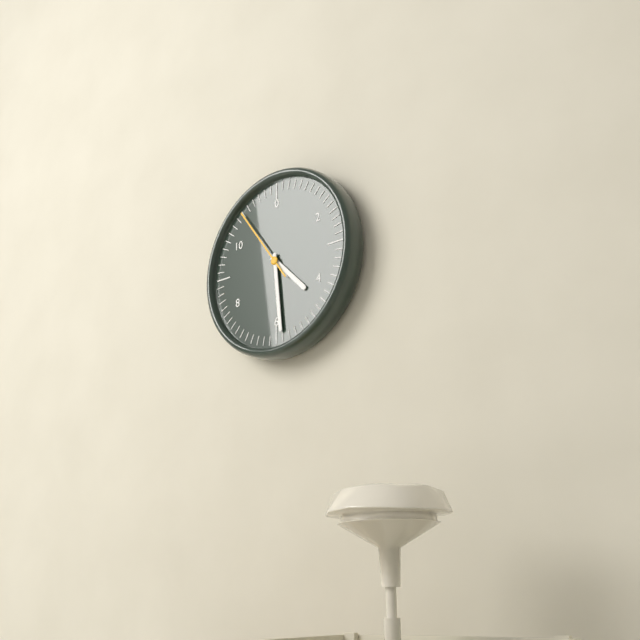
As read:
**4:29:54**
